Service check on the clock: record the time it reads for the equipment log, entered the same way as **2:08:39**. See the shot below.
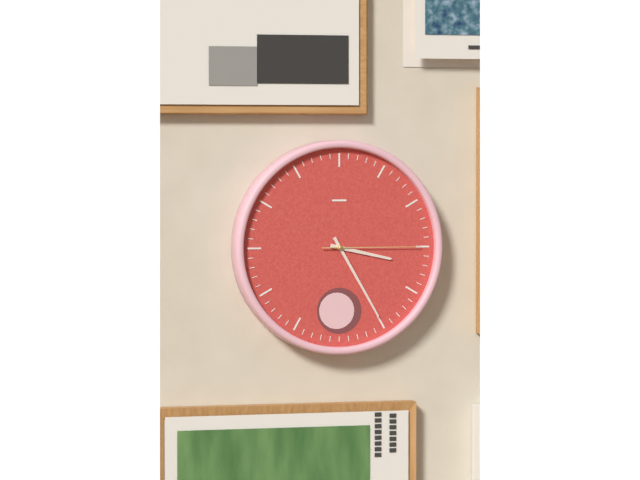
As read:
**3:25:15**
